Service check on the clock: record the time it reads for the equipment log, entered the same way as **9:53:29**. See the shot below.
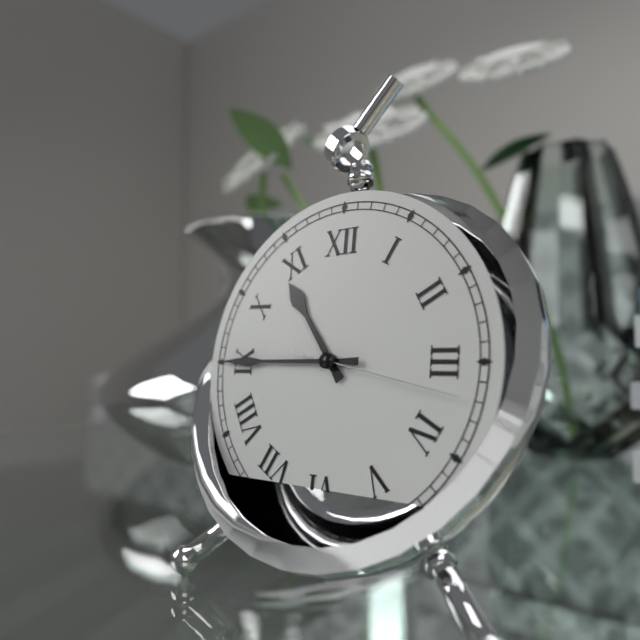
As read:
**10:45:17**
